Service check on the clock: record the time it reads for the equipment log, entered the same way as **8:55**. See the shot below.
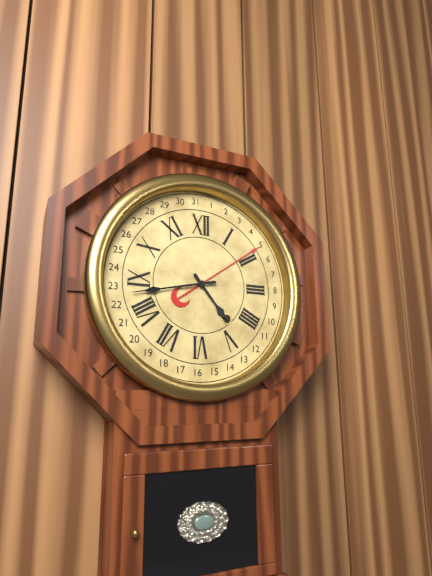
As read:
**4:43**
